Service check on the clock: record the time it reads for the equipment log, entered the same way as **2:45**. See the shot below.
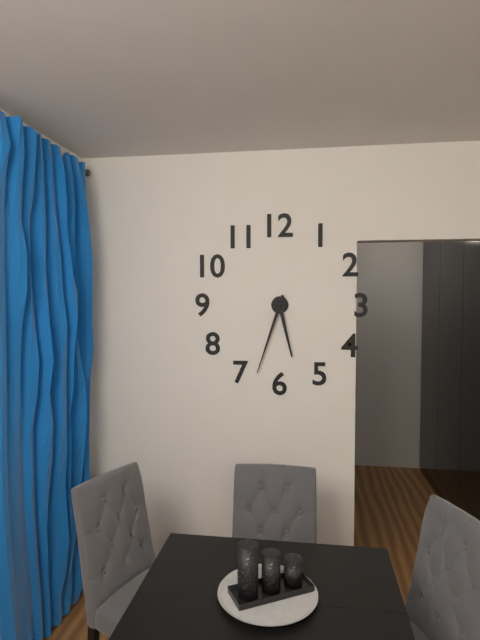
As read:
**5:33**
